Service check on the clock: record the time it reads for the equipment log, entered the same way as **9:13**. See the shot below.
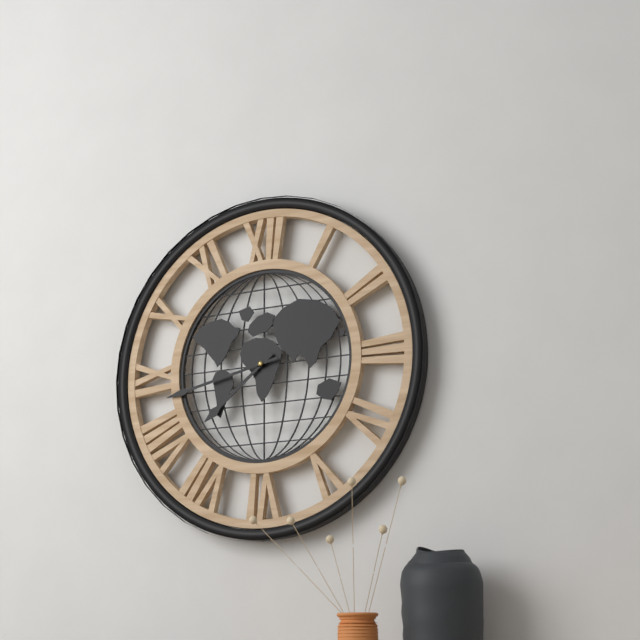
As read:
**7:43**
